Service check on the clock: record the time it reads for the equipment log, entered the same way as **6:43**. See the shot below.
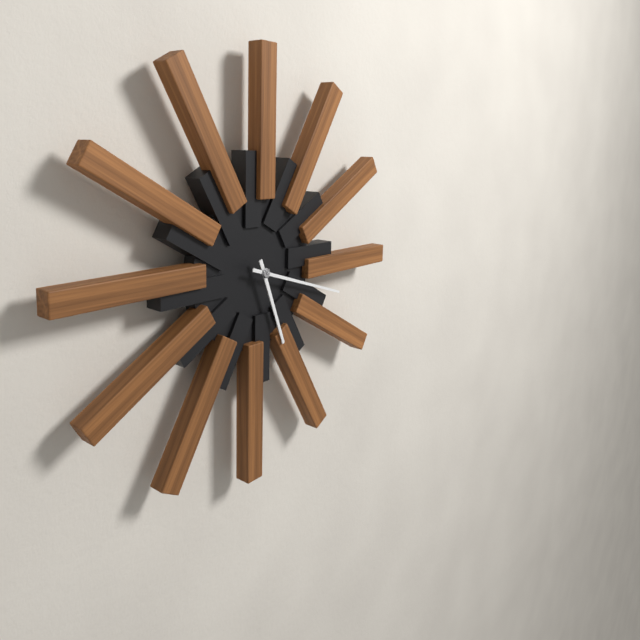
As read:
**5:18**
